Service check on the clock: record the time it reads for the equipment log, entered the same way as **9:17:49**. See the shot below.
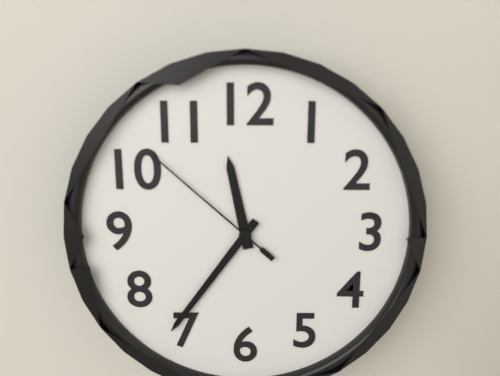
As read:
**11:36:52**
